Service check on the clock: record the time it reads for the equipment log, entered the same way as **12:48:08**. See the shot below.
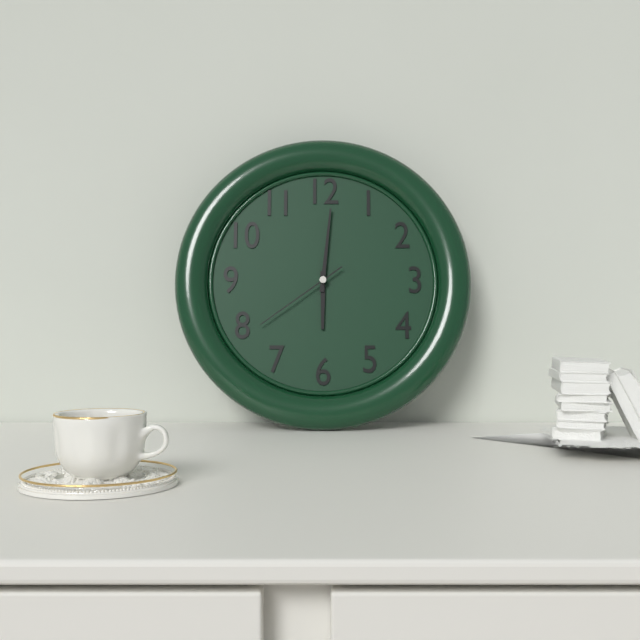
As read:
**6:01:39**
